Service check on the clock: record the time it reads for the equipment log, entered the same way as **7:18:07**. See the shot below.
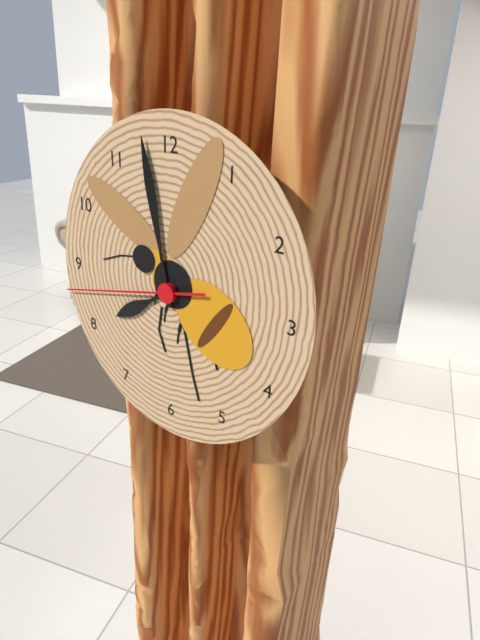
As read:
**7:58:43**
